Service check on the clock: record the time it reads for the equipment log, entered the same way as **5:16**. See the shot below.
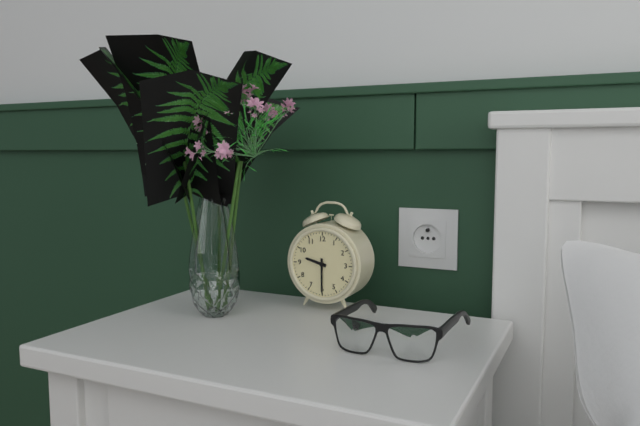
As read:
**9:30**
